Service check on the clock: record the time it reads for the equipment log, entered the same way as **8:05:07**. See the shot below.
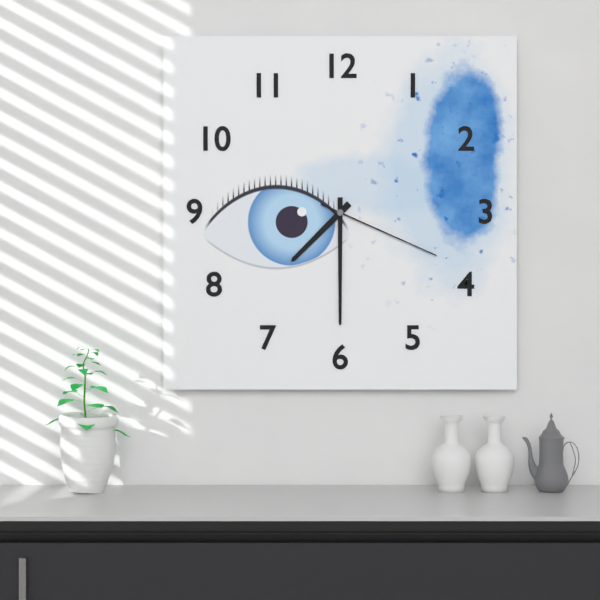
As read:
**7:30:19**
